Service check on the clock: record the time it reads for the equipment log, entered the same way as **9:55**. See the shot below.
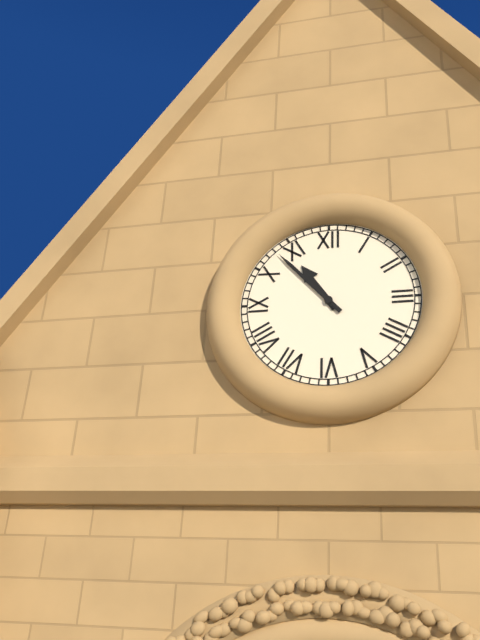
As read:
**10:53**
